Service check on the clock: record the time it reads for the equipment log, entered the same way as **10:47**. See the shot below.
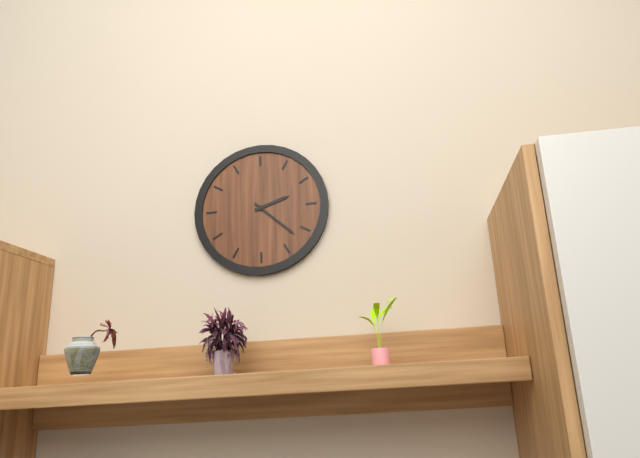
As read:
**2:22**
